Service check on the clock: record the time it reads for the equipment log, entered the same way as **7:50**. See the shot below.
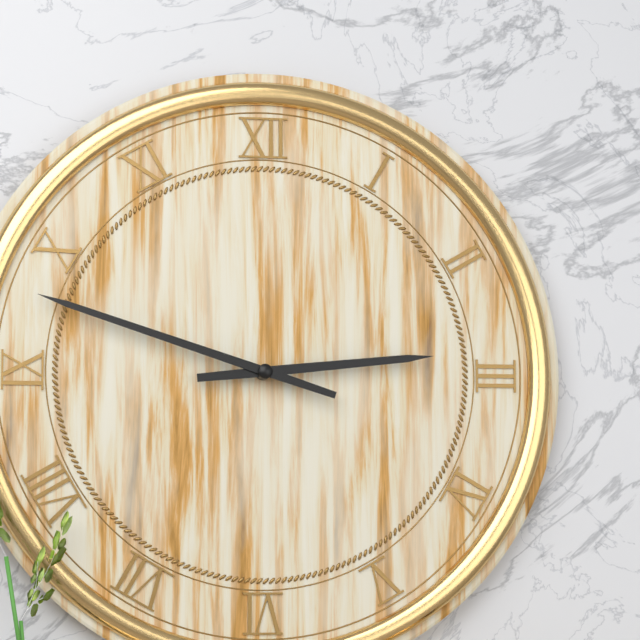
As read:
**2:48**
